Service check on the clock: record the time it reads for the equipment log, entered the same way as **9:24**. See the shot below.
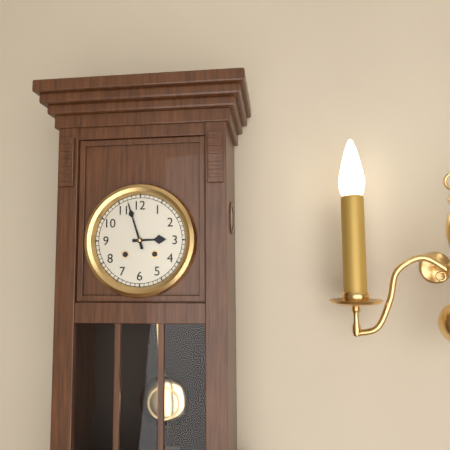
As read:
**2:57**
